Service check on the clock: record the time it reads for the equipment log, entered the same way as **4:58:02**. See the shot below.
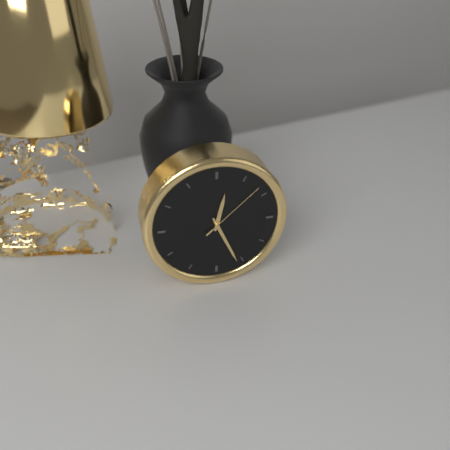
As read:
**12:26:08**
